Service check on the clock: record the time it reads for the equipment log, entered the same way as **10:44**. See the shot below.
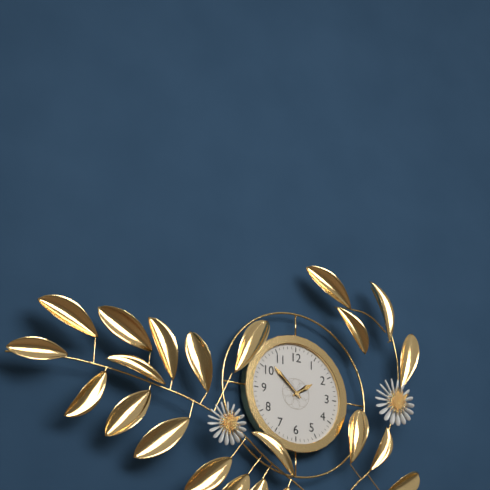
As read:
**1:52**
